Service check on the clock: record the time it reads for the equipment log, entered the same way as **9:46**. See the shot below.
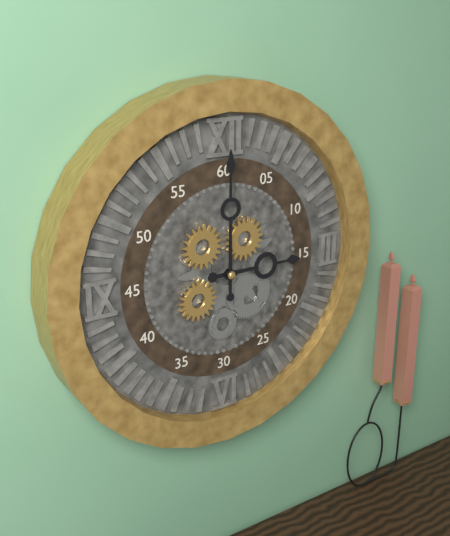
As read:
**3:00**
